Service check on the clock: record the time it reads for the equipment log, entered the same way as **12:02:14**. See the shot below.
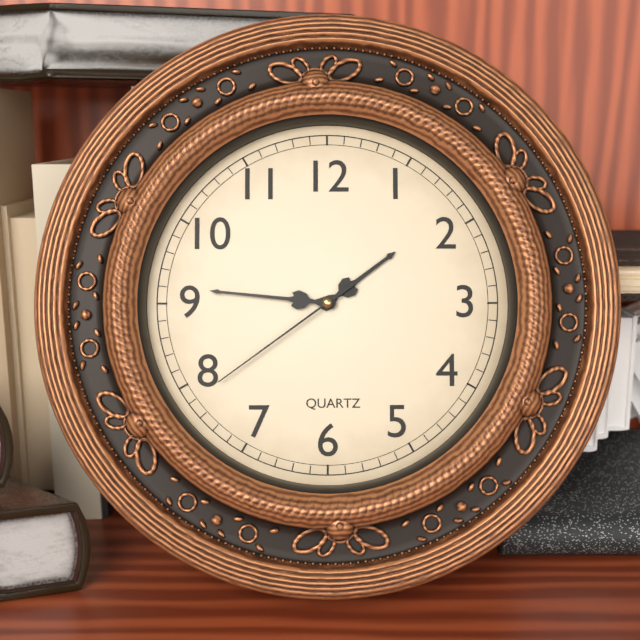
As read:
**1:46:39**
